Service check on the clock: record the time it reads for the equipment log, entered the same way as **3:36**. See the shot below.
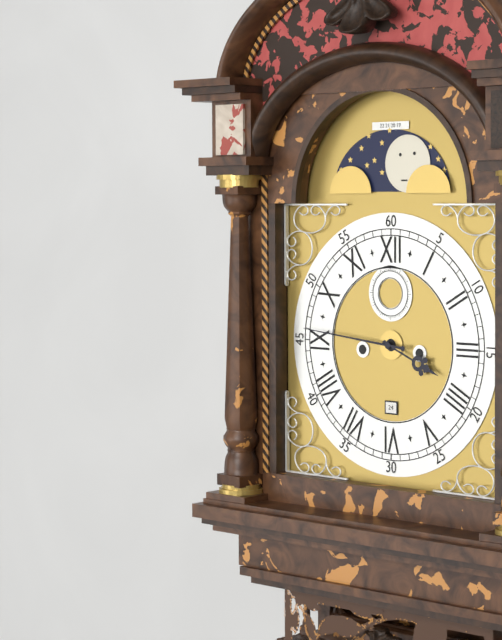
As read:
**3:46**
